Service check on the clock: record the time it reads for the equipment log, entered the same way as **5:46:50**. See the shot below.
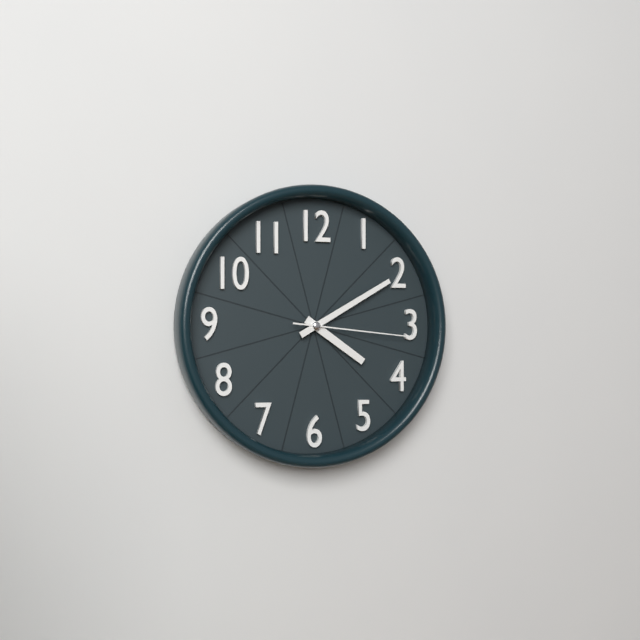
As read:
**4:10:16**
